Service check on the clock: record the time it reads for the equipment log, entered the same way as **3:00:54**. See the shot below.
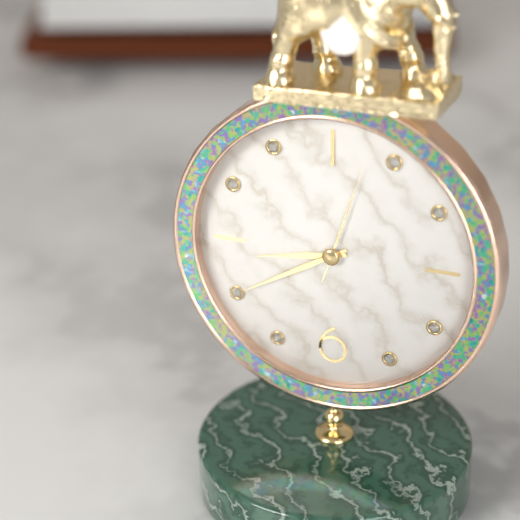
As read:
**8:40:03**
